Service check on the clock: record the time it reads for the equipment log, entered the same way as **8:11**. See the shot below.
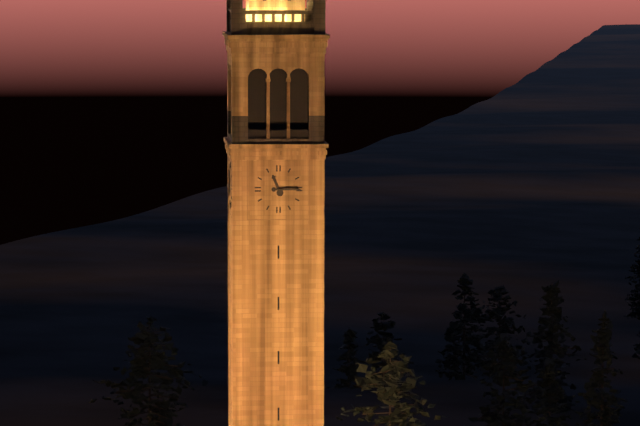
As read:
**11:15**
